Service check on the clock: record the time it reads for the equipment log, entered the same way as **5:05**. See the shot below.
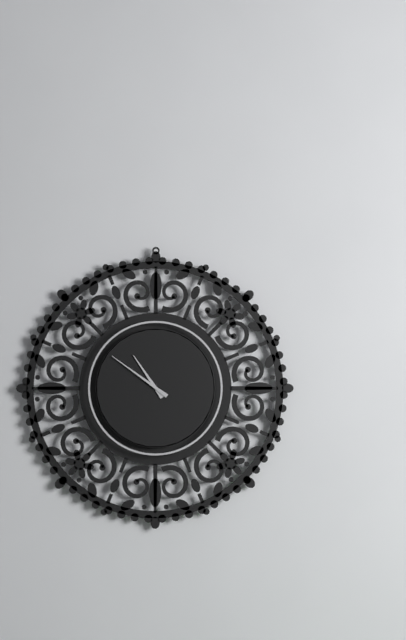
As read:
**10:51**
